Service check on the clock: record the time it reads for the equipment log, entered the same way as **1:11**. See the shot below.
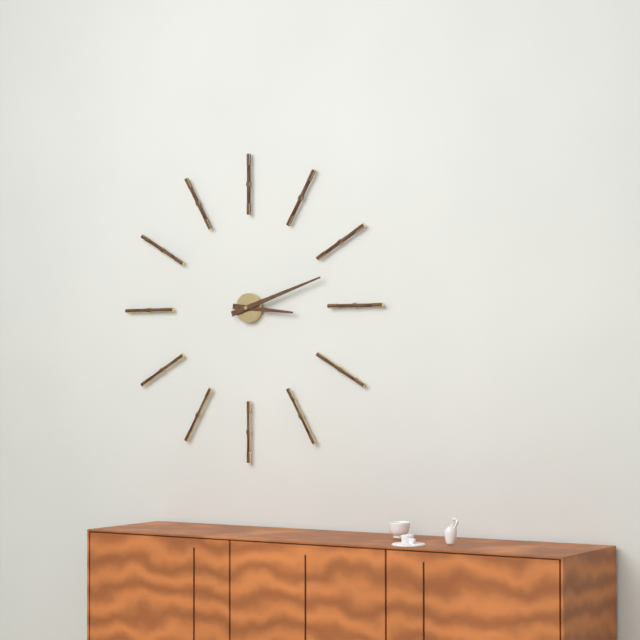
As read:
**3:12**
